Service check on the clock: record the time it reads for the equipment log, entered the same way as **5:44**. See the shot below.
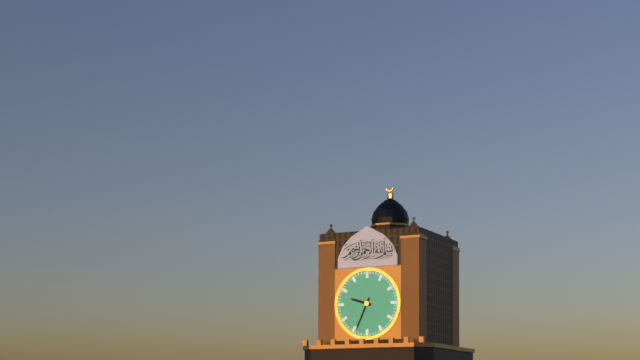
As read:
**9:34**
